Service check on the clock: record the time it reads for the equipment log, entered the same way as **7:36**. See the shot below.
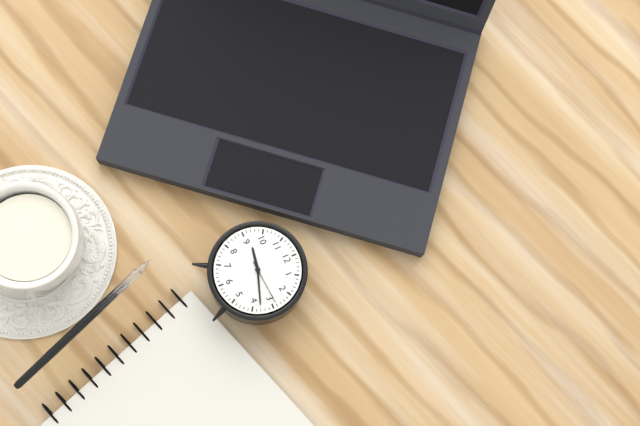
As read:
**9:18**
